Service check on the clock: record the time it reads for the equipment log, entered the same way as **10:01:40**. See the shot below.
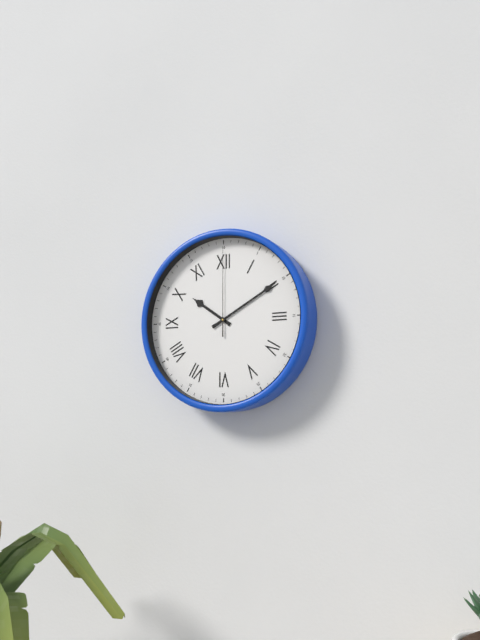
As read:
**10:10:00**
